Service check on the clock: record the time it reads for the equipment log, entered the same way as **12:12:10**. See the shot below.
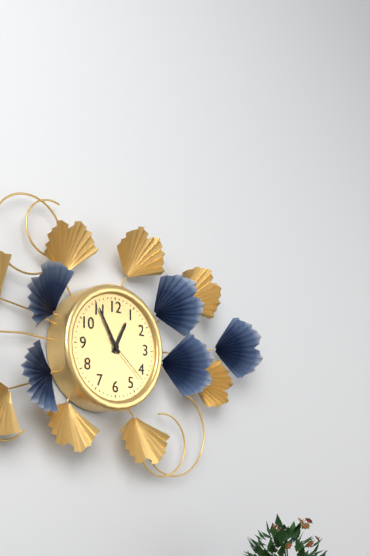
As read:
**12:55:22**
